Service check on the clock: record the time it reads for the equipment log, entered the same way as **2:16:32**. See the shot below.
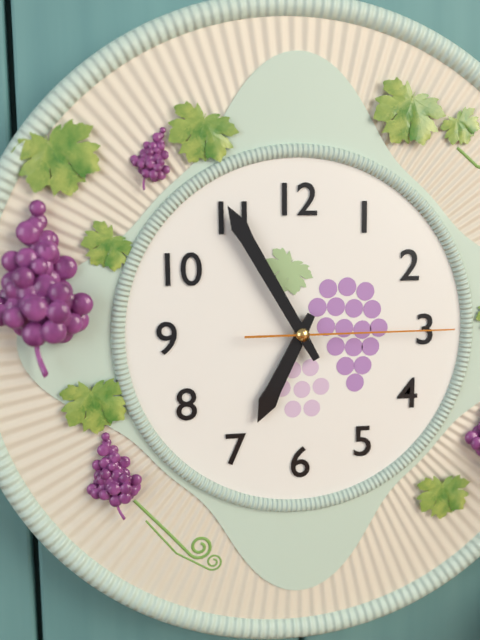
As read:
**6:55:15**
